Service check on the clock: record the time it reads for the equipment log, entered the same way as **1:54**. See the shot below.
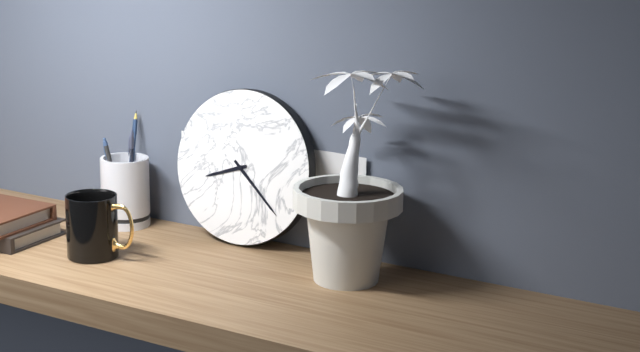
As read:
**8:22**
